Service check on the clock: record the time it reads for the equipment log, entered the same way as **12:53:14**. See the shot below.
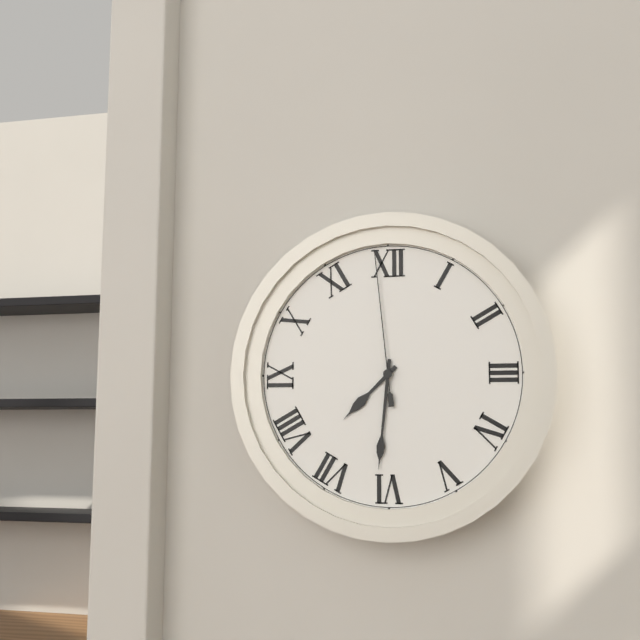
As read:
**7:31:59**
